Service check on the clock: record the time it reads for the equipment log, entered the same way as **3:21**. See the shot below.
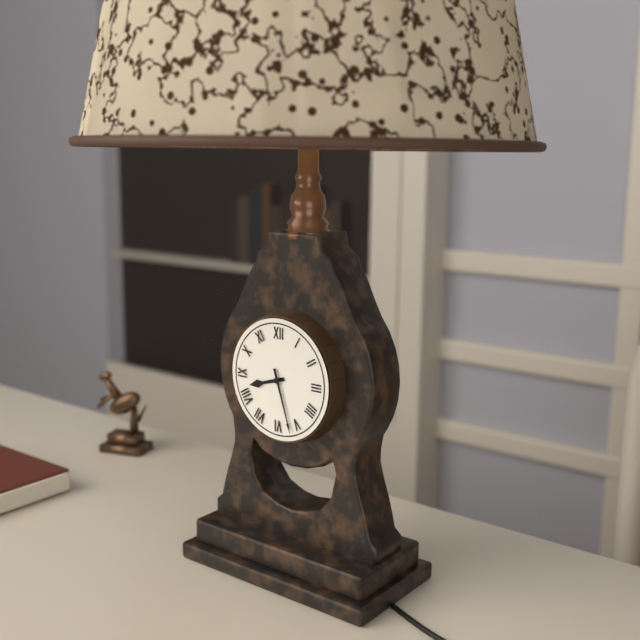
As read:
**8:27**
